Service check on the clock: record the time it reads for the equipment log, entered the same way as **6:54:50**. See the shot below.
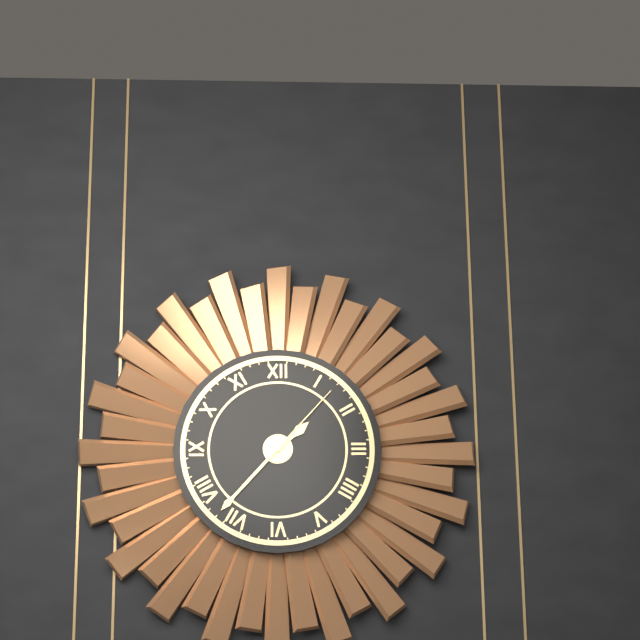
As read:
**1:37:07**
